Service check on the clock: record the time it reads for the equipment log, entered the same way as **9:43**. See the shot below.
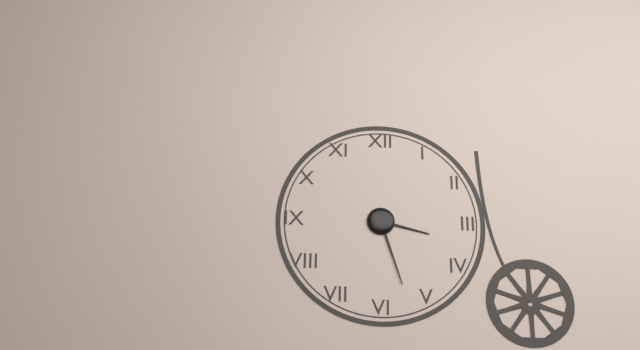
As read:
**3:27**
